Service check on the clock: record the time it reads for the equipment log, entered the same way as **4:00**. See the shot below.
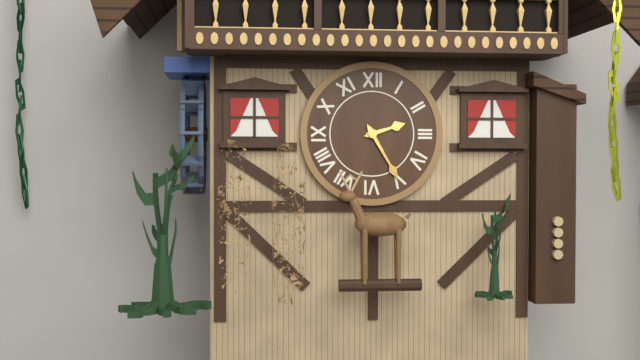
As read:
**2:25**
